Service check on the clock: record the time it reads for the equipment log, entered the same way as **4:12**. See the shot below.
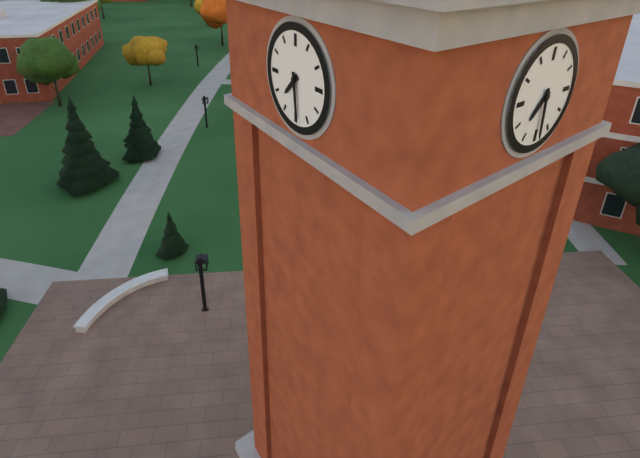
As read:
**7:29**
